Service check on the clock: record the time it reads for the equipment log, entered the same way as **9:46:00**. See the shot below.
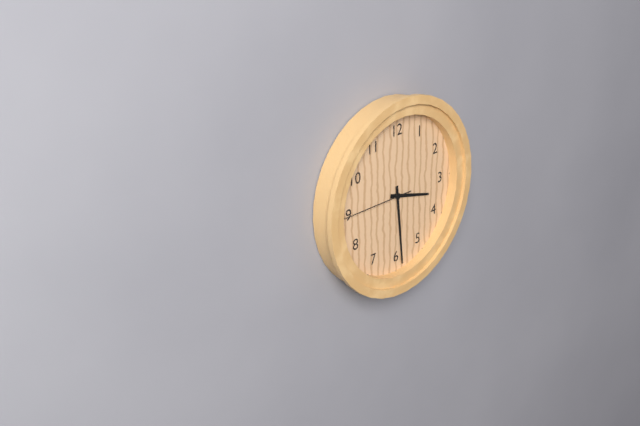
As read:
**3:29:45**
